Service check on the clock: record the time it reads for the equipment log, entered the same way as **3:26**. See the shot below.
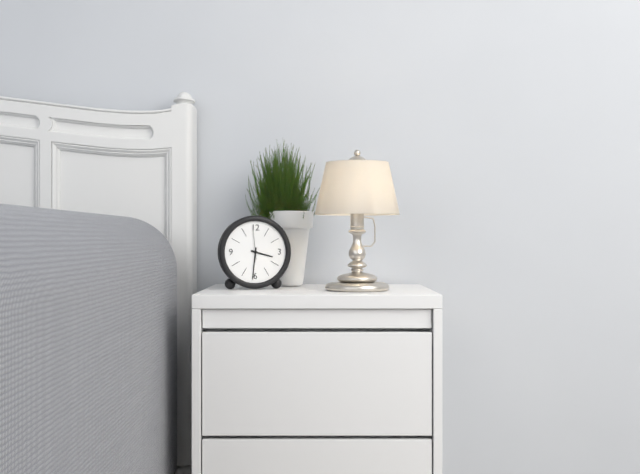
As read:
**3:31**
